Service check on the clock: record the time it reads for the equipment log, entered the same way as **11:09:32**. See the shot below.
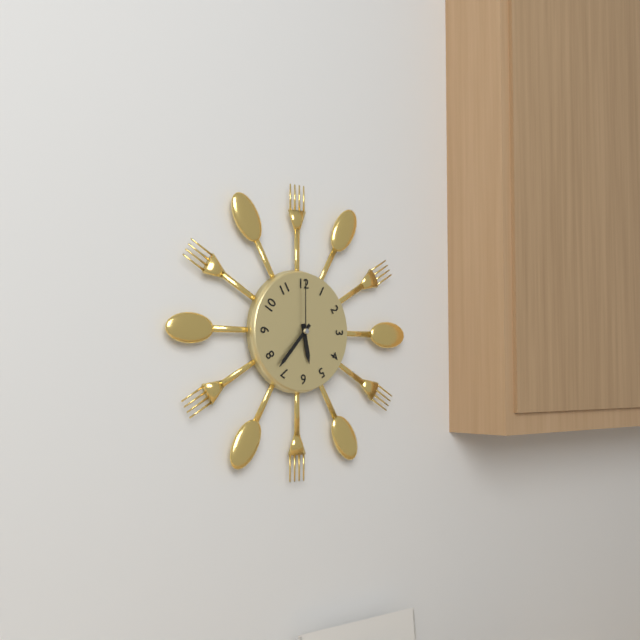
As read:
**5:37:00**
